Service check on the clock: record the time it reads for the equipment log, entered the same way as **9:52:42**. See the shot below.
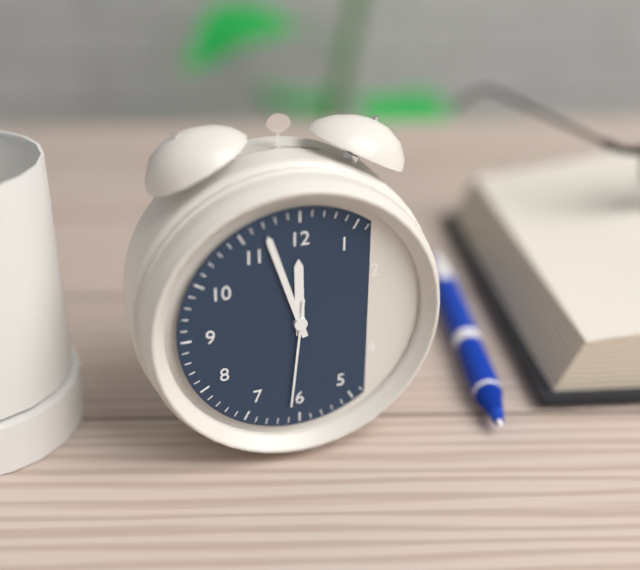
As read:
**11:57:31**
